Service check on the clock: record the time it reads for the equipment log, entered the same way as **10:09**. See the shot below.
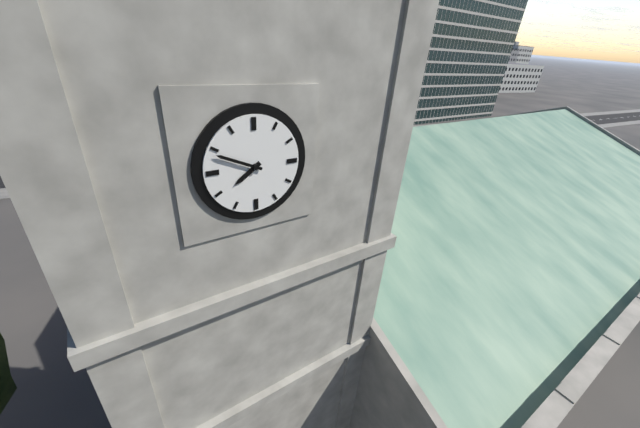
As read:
**7:49**
